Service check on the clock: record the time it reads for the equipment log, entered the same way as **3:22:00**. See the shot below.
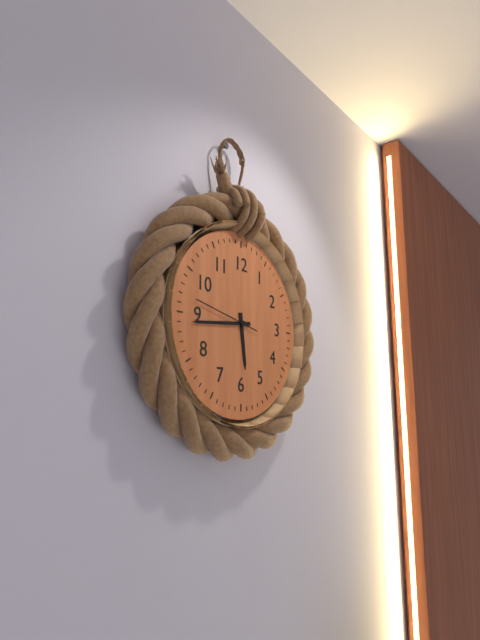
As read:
**5:44:47**
